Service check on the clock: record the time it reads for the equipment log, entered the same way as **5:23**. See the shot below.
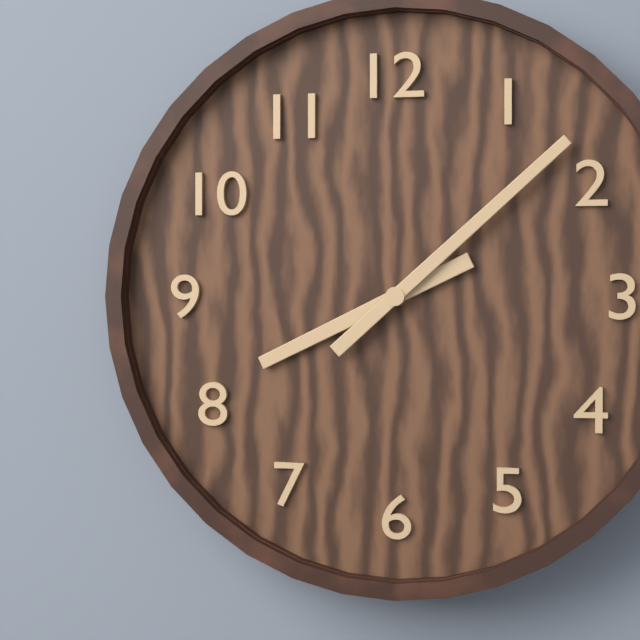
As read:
**8:08**
